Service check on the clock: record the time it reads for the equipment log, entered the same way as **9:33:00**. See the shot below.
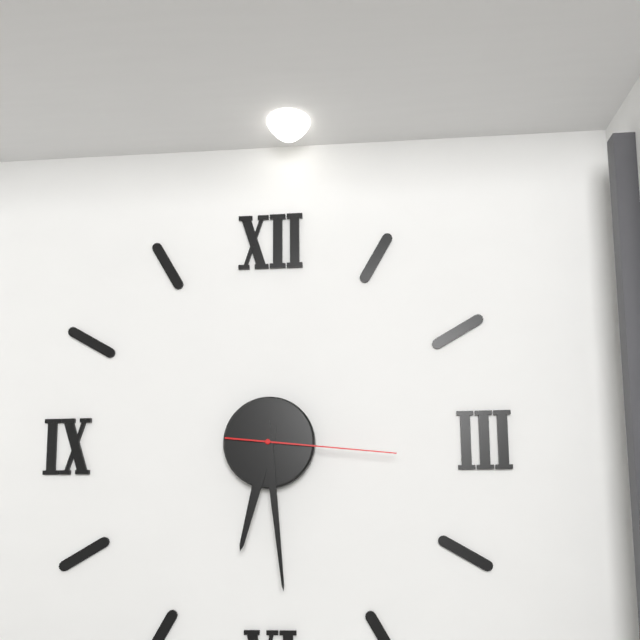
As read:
**6:29:16**
